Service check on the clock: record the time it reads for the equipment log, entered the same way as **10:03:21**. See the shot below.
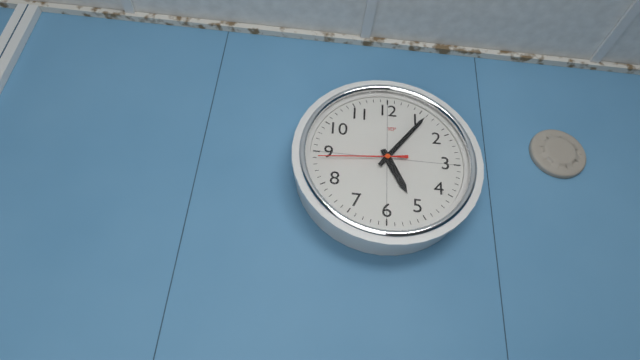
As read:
**5:06:44**
